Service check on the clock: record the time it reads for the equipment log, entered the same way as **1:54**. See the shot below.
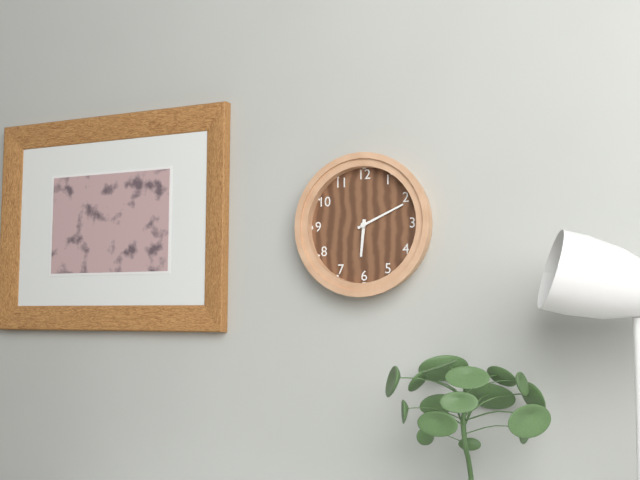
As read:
**6:11**
